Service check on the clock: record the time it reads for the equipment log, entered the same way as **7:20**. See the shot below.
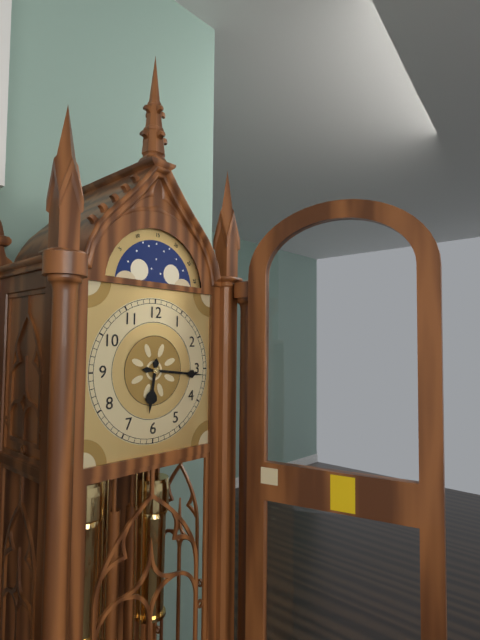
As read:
**6:16**
